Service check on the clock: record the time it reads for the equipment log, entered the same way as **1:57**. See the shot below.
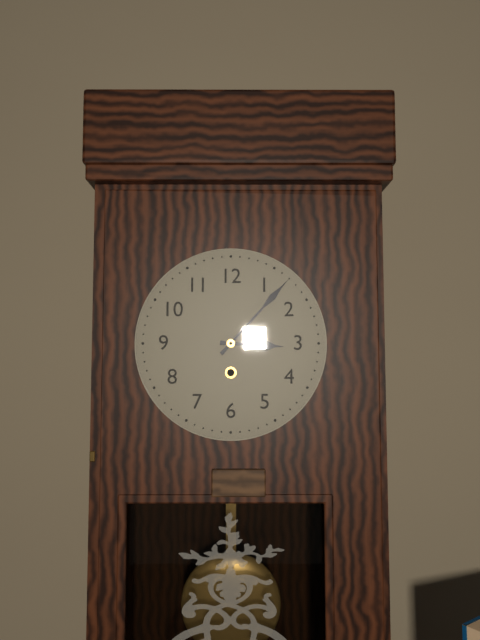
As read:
**3:07**
